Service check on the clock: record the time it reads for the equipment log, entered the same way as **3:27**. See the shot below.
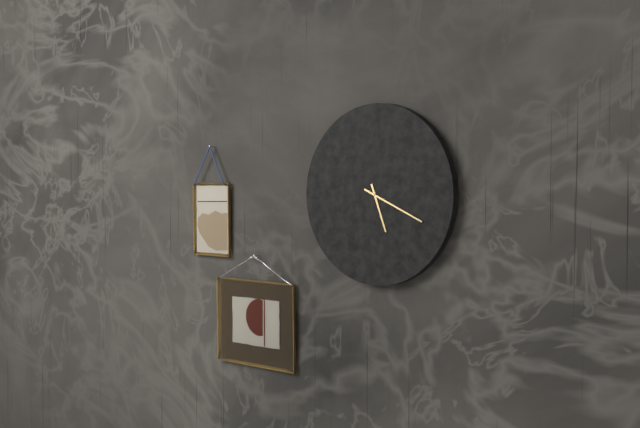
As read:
**5:19**
